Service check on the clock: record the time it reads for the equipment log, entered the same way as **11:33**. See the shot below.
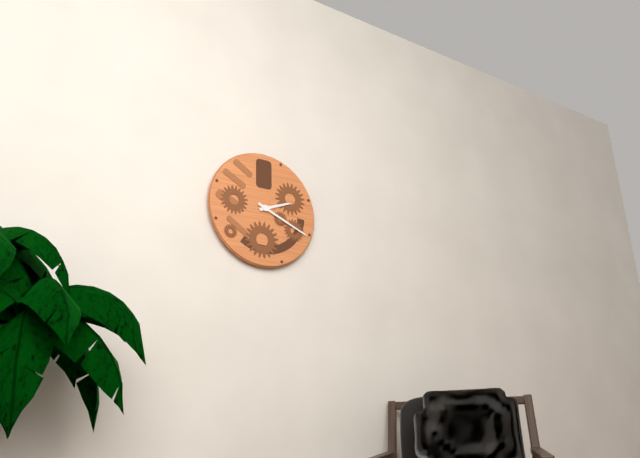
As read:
**2:19**
